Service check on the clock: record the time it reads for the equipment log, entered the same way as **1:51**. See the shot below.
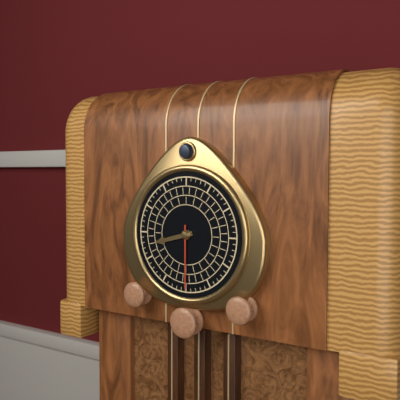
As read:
**8:30**
